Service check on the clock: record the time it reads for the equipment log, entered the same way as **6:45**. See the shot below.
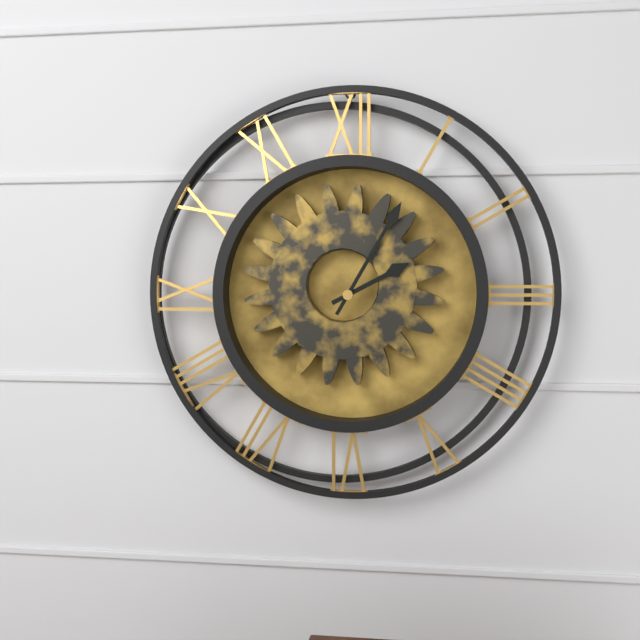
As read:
**2:05**
